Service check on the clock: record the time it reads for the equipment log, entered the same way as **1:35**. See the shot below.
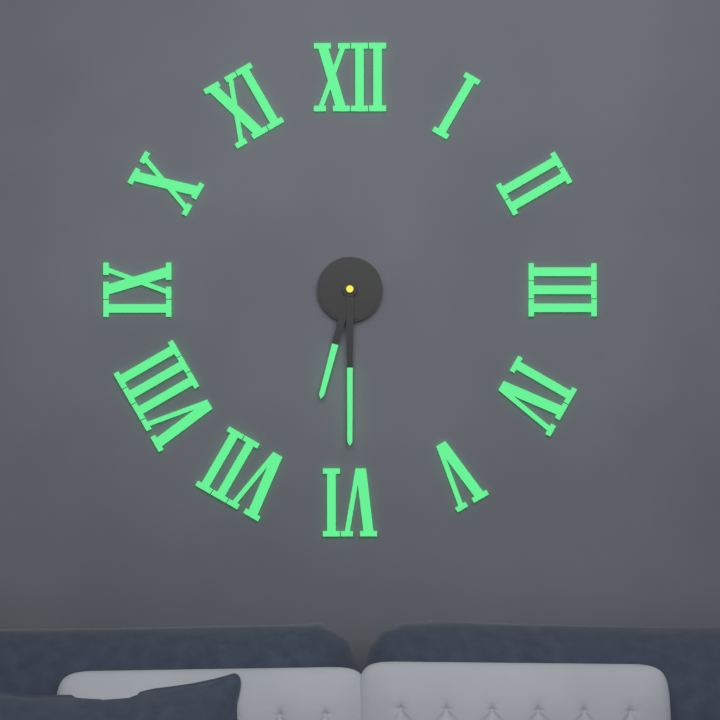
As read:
**6:30**
